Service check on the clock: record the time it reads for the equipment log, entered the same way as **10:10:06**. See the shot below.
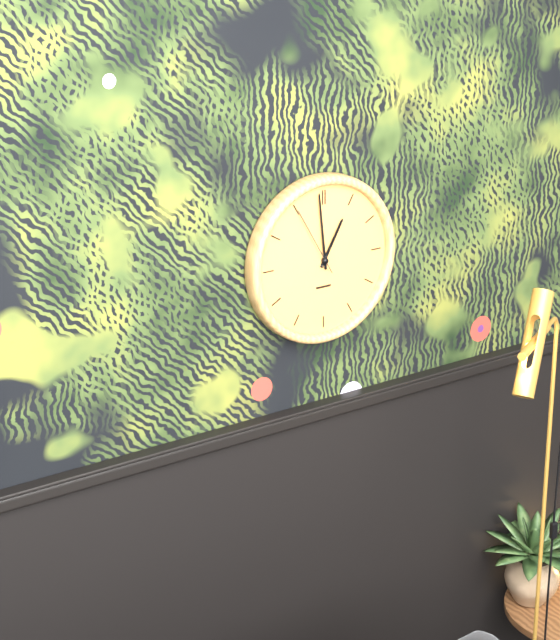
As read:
**12:59:55**
